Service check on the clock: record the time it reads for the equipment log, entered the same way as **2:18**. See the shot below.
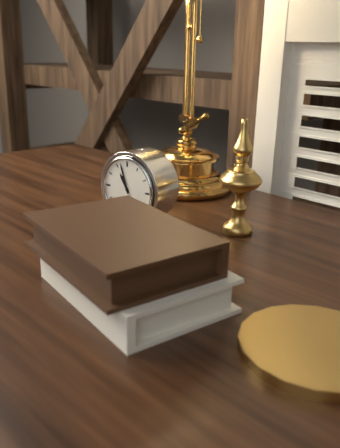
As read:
**10:57**
